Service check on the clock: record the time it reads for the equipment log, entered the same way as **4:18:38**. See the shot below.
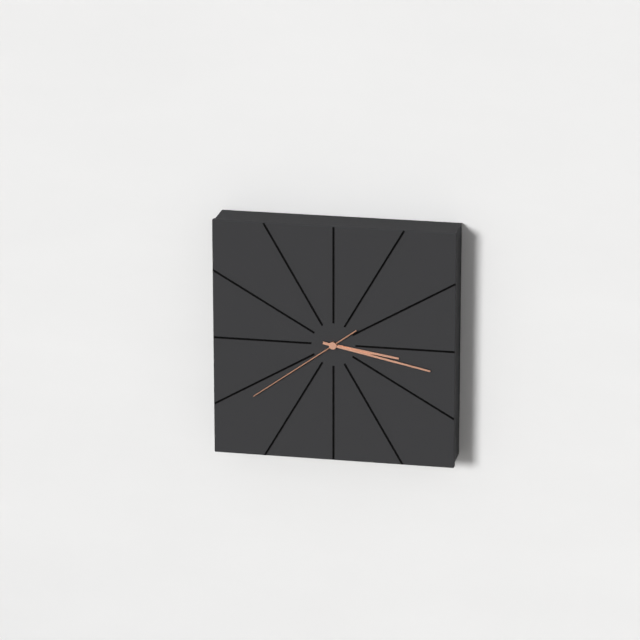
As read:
**3:17:39**
